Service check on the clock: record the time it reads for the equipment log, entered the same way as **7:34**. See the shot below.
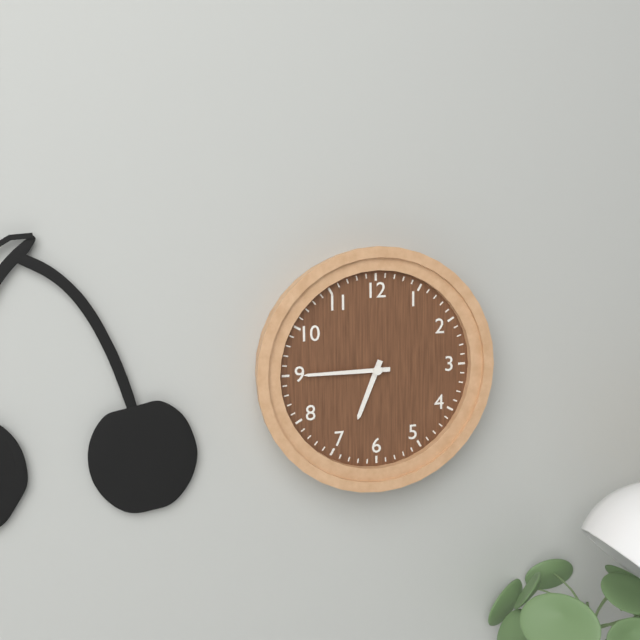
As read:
**6:45**
